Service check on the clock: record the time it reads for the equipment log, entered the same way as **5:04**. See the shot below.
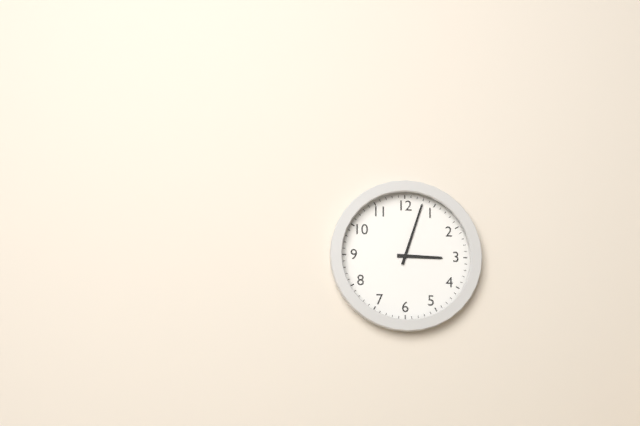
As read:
**3:03**
